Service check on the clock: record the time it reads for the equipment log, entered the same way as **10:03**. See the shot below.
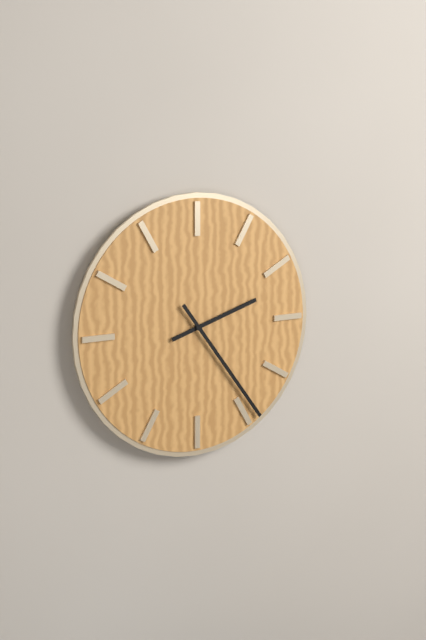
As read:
**2:24**
